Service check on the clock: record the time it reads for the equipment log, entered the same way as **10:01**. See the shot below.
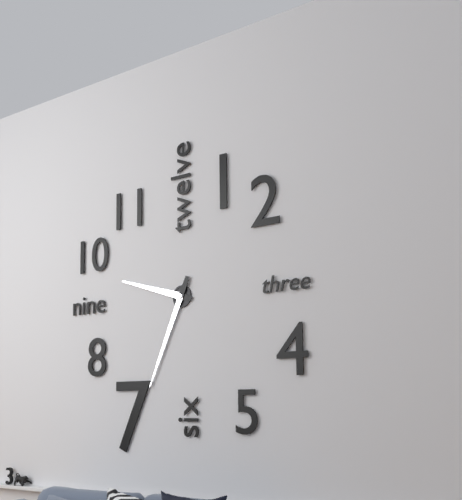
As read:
**9:34**
